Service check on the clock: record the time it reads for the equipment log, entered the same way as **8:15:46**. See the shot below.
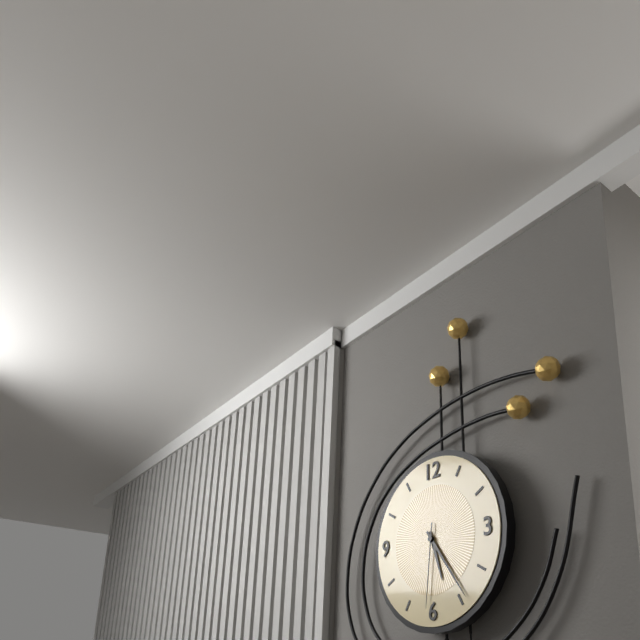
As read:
**5:24:31**
